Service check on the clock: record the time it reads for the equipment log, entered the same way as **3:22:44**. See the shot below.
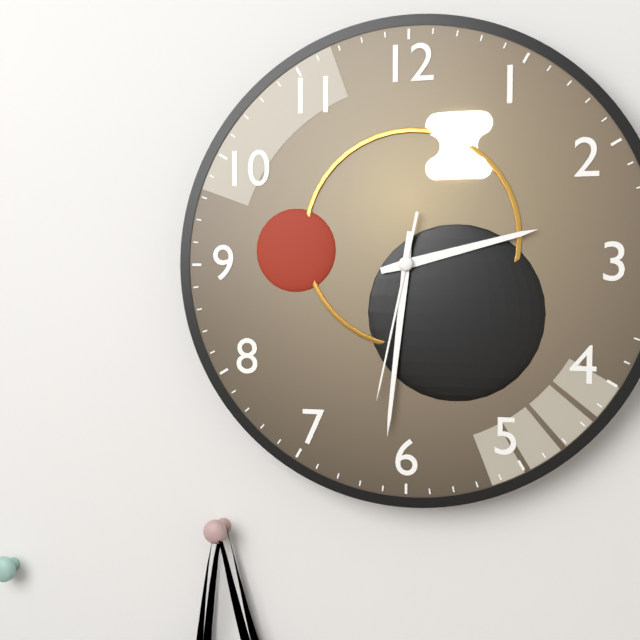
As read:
**2:31:32**
